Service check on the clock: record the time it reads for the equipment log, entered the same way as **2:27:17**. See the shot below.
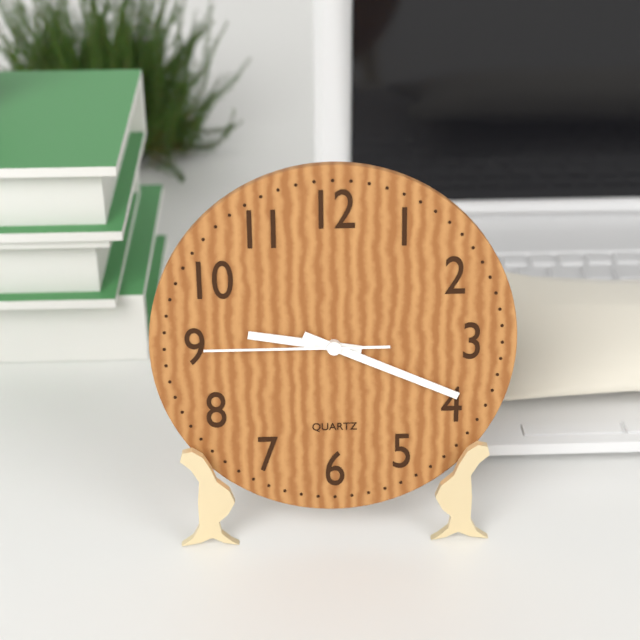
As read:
**9:19:45**
